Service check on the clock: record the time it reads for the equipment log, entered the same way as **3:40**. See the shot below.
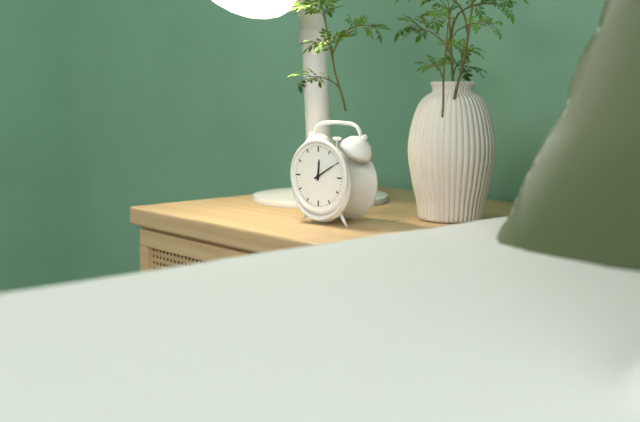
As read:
**12:10**
